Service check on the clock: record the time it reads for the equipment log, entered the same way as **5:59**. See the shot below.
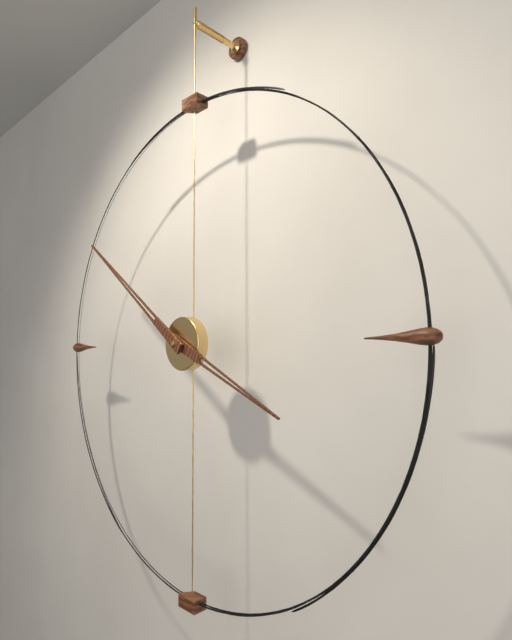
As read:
**3:51**
